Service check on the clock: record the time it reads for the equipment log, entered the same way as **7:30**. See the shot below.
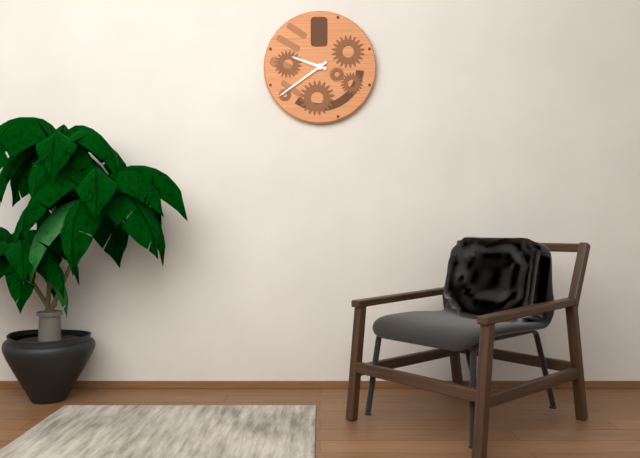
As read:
**9:39**
